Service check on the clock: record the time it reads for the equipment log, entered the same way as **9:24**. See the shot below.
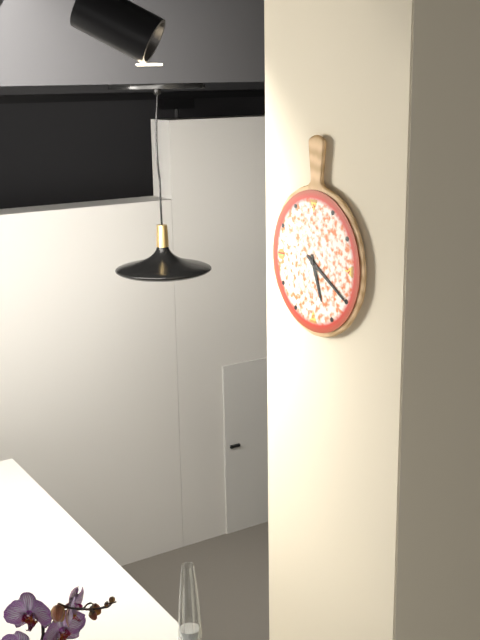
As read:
**5:20**
